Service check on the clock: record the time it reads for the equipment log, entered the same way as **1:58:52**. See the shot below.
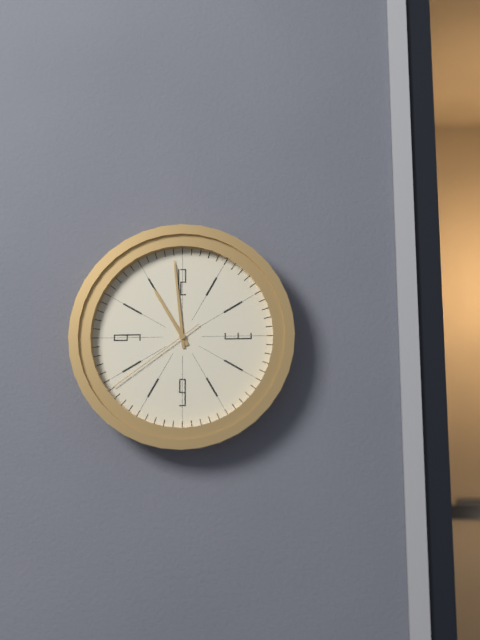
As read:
**10:59:39**
